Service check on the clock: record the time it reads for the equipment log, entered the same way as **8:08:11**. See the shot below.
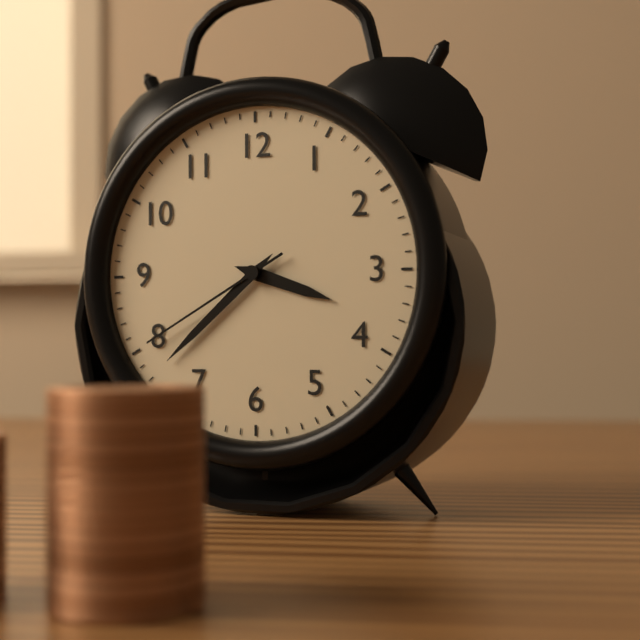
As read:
**3:38:40**
